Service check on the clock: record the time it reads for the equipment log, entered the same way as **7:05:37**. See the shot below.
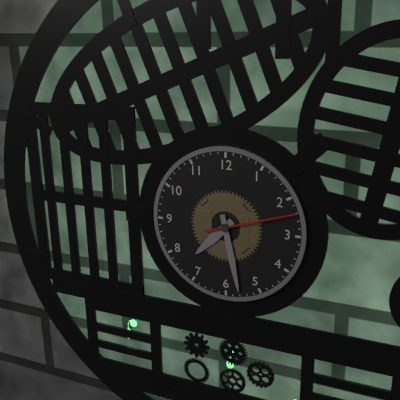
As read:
**7:28:12**
